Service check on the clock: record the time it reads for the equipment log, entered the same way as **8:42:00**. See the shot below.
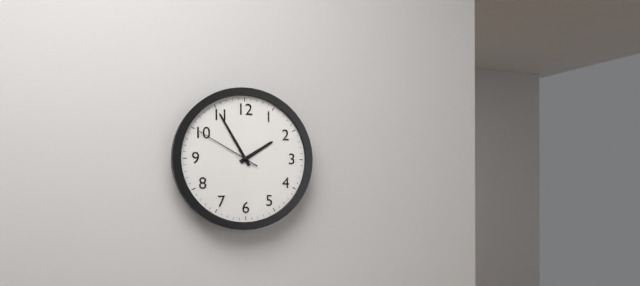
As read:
**1:55:50**
